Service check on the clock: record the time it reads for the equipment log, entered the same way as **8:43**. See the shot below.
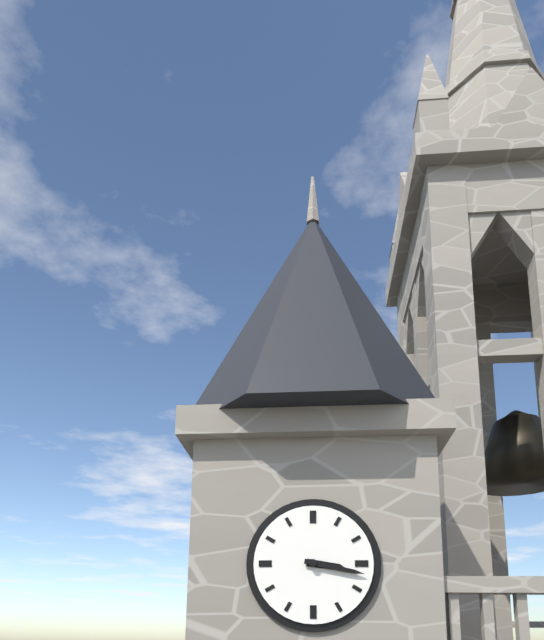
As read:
**3:17**
